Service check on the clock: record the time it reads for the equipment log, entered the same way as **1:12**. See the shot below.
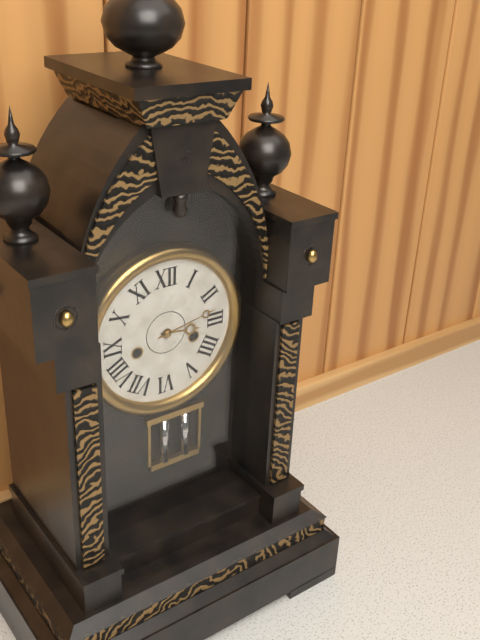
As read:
**3:13**
